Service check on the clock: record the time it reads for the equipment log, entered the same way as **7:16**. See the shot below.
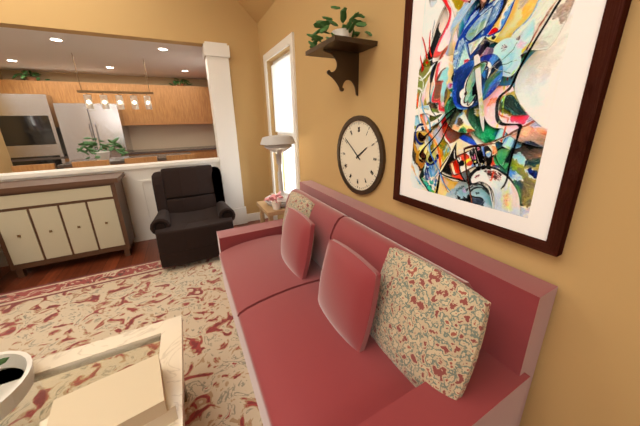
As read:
**1:51**
